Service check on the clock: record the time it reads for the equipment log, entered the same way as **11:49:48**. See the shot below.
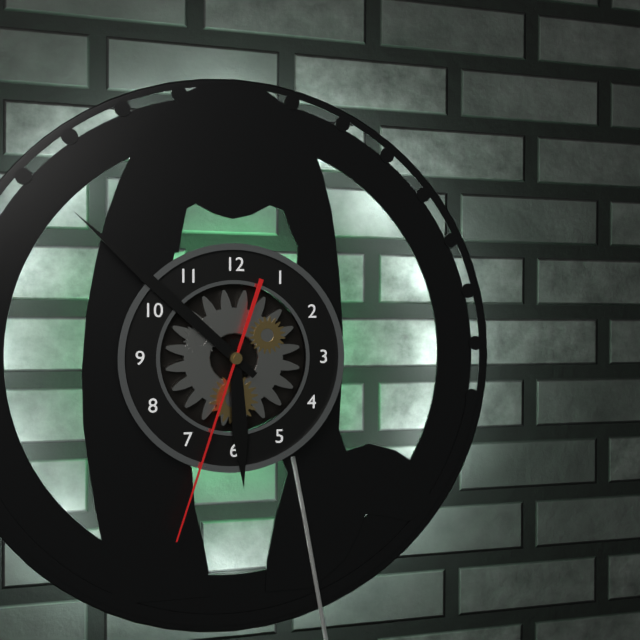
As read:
**5:52:33**
